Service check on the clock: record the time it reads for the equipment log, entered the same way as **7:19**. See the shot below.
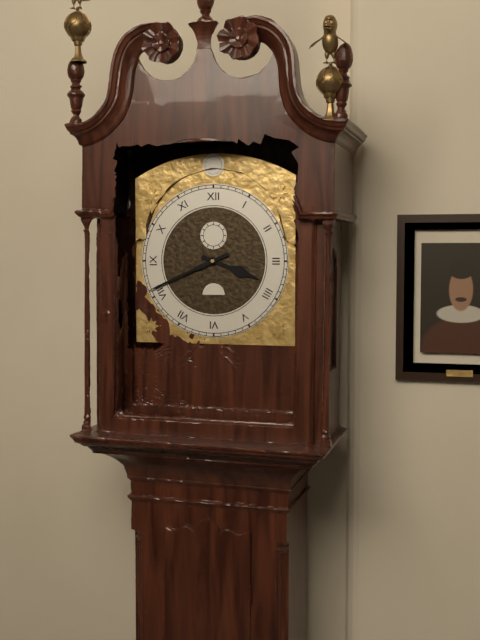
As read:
**3:41**
